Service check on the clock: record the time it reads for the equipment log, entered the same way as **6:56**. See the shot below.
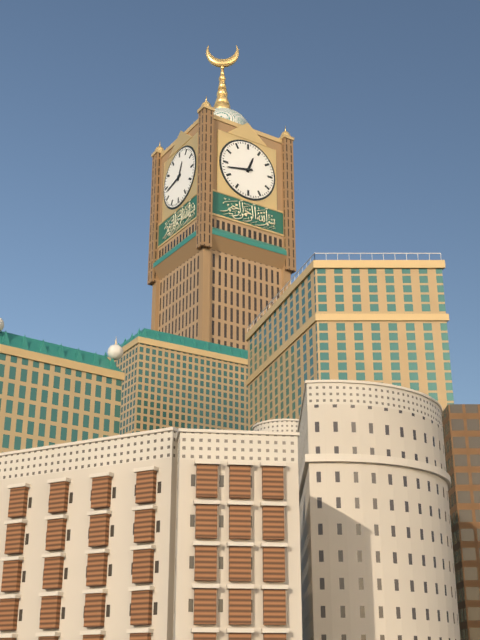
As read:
**12:43**
